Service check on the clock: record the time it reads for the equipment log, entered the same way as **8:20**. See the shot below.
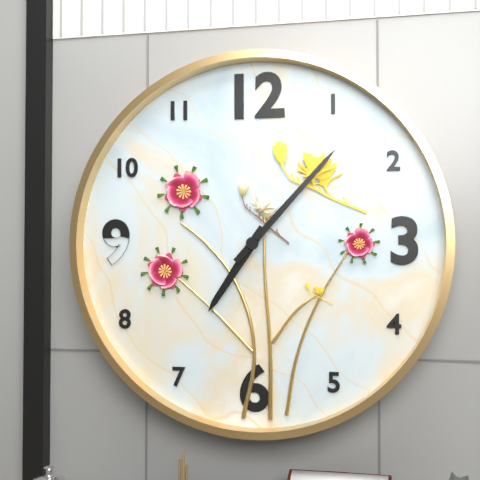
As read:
**7:07**
